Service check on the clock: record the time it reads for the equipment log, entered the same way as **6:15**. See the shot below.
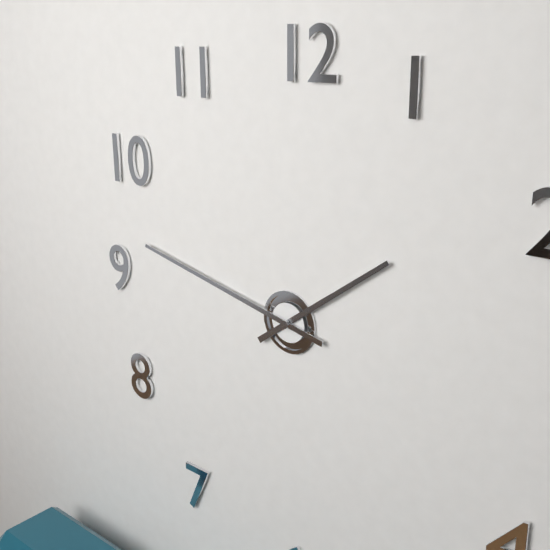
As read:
**1:47**
